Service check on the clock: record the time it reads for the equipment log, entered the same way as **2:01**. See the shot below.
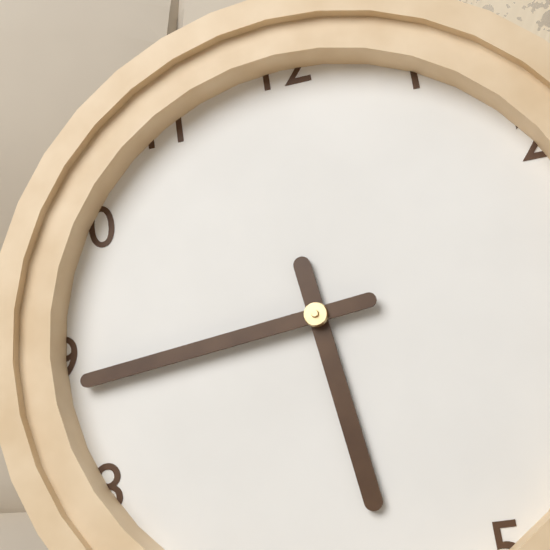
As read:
**5:44**
